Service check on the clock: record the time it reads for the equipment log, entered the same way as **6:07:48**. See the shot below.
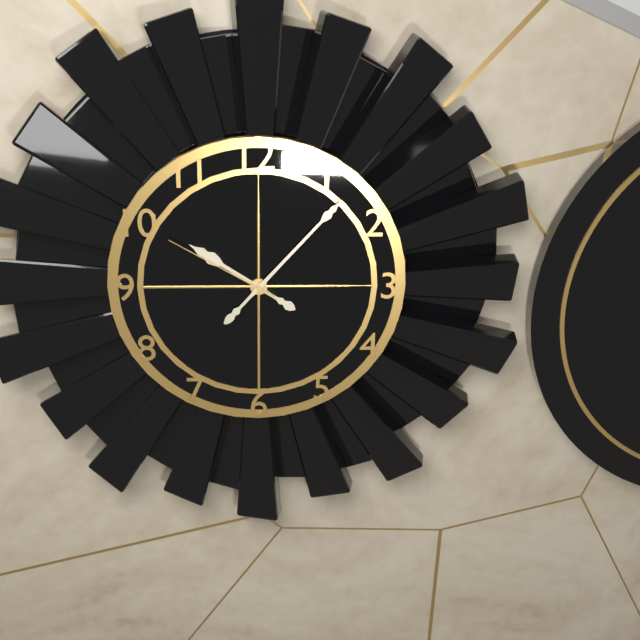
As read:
**10:07:50**
